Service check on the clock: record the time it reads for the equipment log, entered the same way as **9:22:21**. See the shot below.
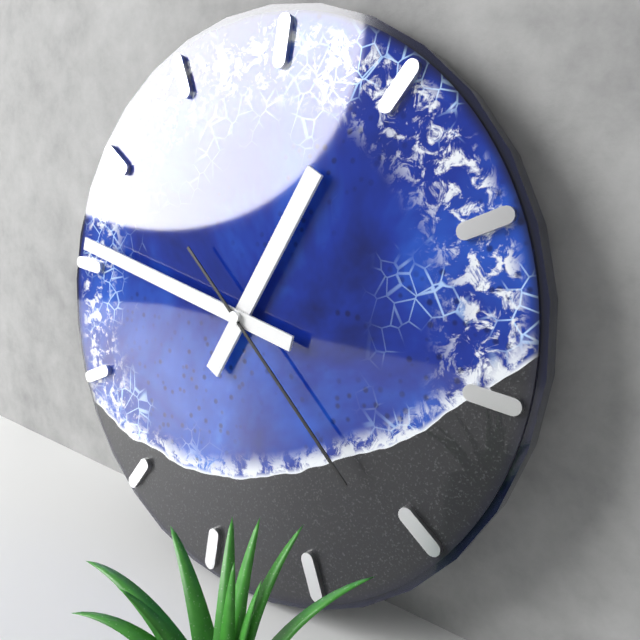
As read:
**12:46:21**
